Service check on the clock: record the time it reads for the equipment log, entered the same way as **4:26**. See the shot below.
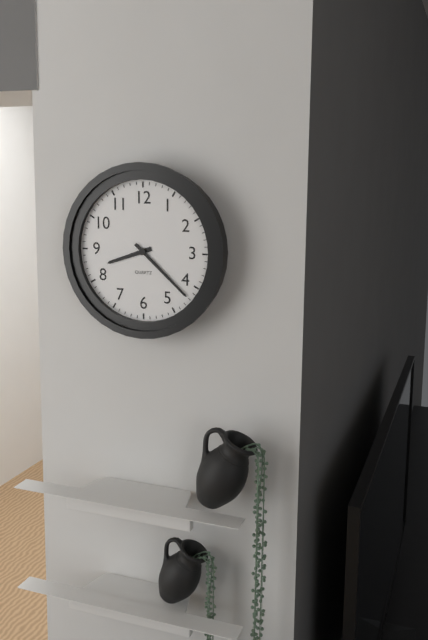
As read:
**8:22**
